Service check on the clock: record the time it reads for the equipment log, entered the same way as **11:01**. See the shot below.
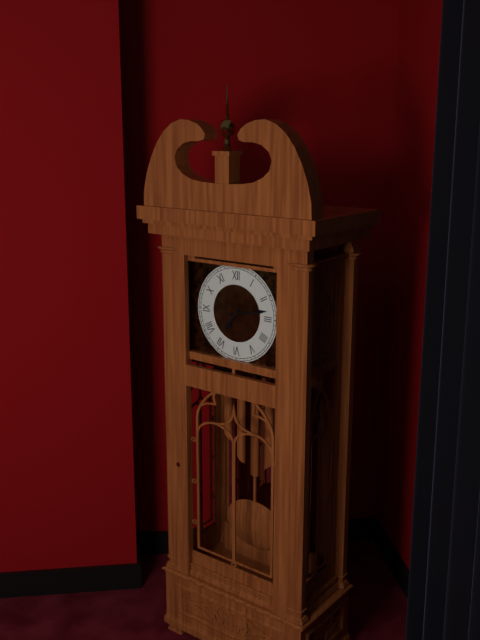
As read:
**7:13**
